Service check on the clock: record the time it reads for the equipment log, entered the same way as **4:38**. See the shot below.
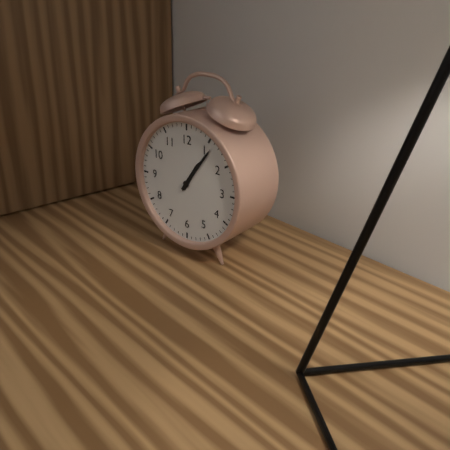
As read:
**1:06**
